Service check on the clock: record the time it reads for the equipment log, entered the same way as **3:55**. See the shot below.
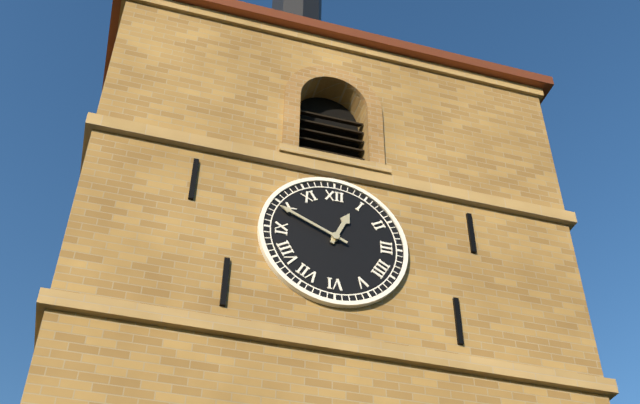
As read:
**12:49**
